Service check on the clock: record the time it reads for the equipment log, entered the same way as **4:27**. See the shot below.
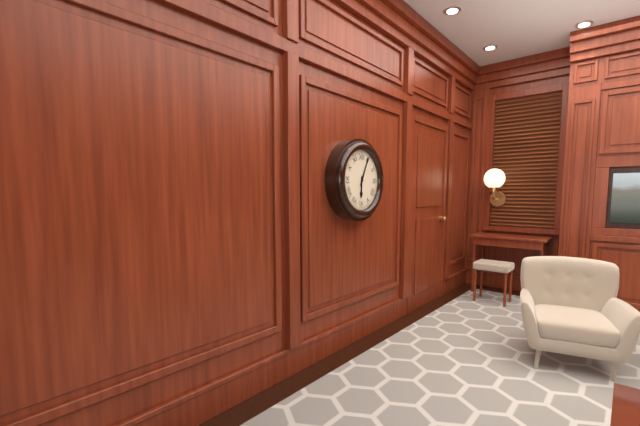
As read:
**6:04**
